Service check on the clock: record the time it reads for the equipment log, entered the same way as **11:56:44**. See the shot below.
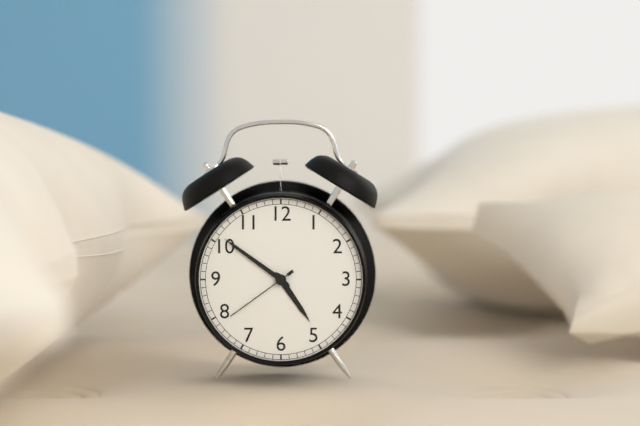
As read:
**4:51:39**
